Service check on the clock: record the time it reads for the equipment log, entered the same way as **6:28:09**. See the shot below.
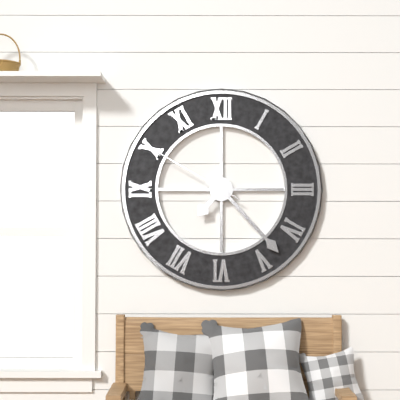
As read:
**7:23:50**
